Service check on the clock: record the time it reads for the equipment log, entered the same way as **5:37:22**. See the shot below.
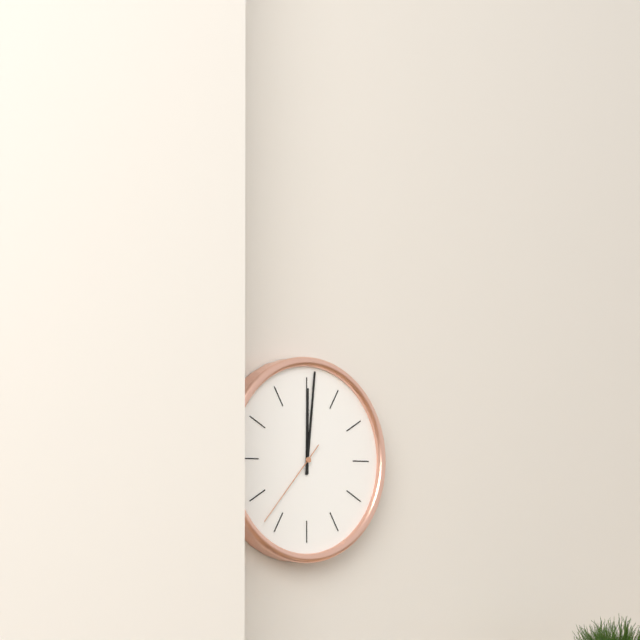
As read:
**12:01:37**
